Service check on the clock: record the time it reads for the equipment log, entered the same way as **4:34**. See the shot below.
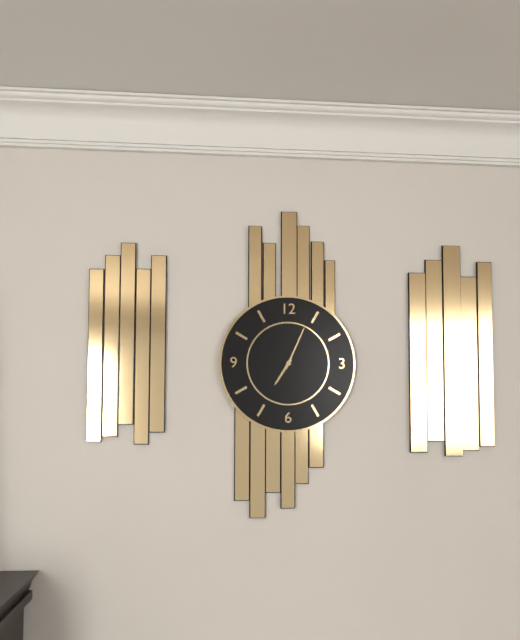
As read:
**7:04**
